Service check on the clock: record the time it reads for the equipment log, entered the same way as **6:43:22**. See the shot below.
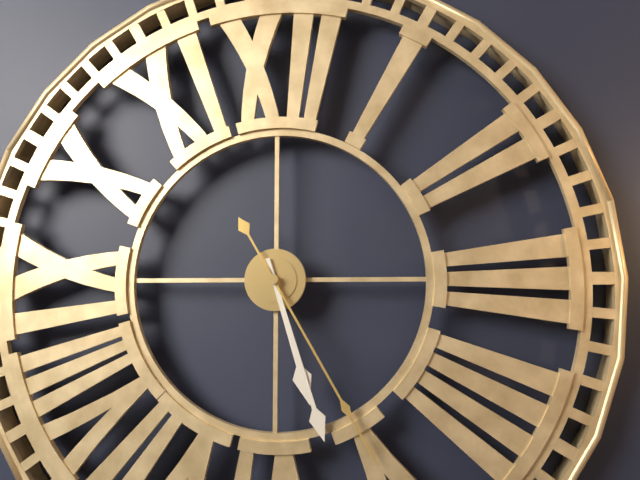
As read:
**5:27:25**
